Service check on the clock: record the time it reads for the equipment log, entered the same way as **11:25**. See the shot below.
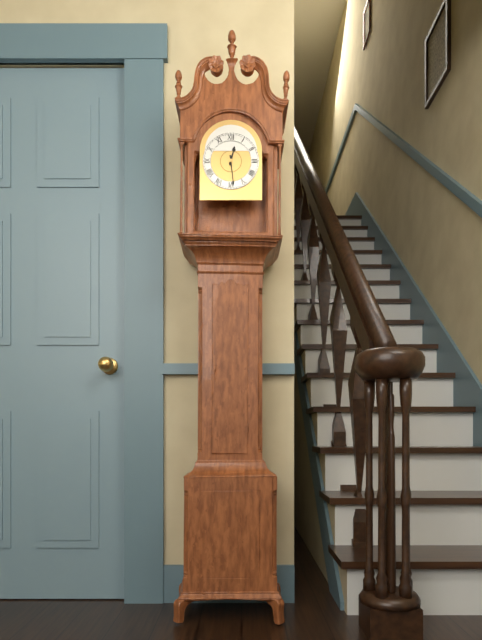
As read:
**12:29**
